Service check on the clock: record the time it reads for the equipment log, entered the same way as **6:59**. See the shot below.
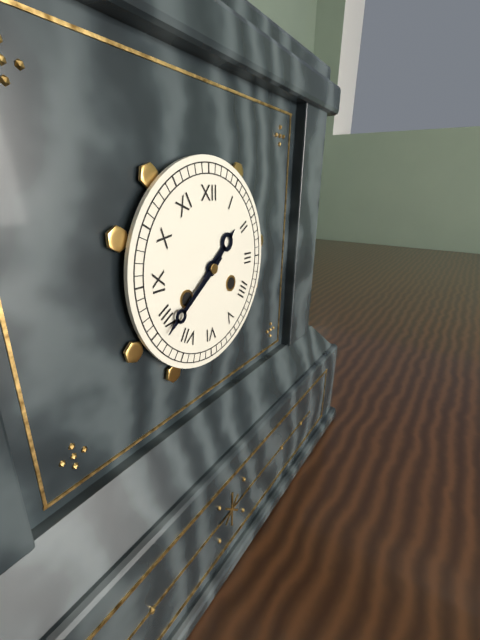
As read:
**1:39**
